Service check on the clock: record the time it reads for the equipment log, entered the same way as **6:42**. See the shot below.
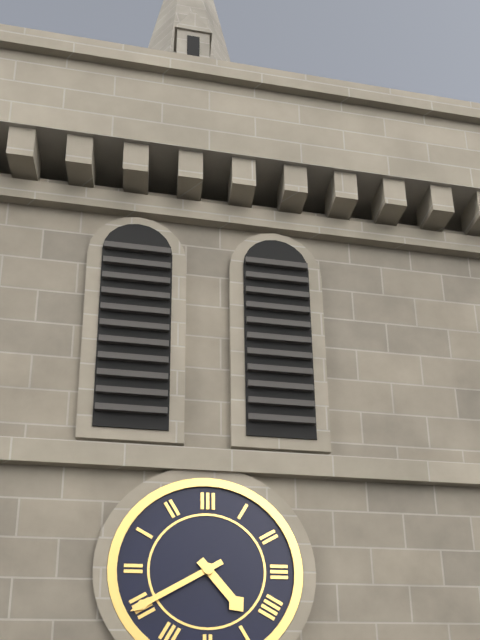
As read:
**4:40**
